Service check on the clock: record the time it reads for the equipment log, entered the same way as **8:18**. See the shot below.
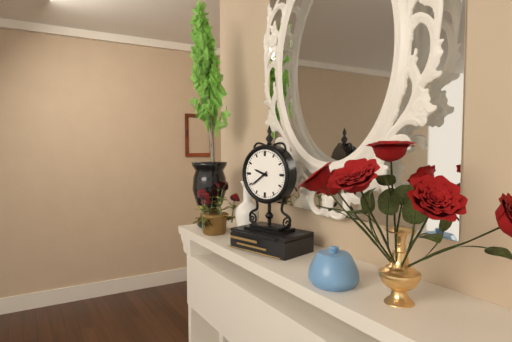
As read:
**9:39**
